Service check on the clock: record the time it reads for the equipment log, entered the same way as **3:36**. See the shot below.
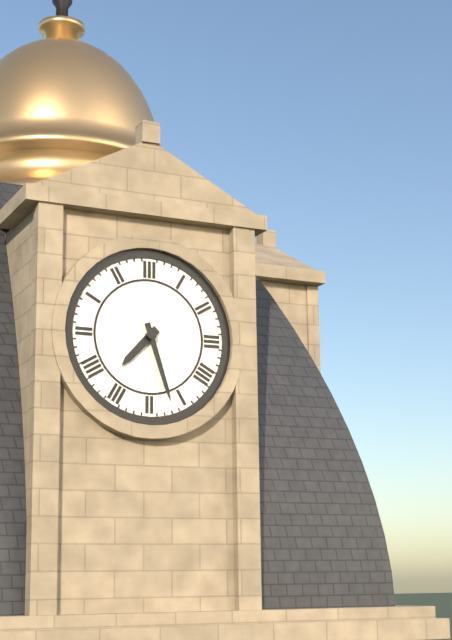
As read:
**7:27**
